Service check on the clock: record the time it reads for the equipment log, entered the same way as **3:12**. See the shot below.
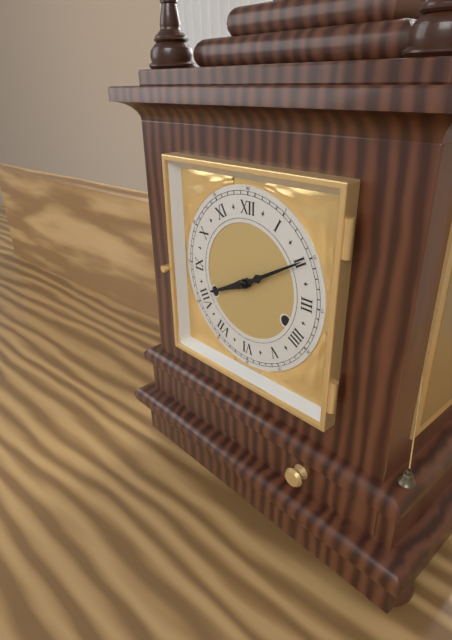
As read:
**8:10**
